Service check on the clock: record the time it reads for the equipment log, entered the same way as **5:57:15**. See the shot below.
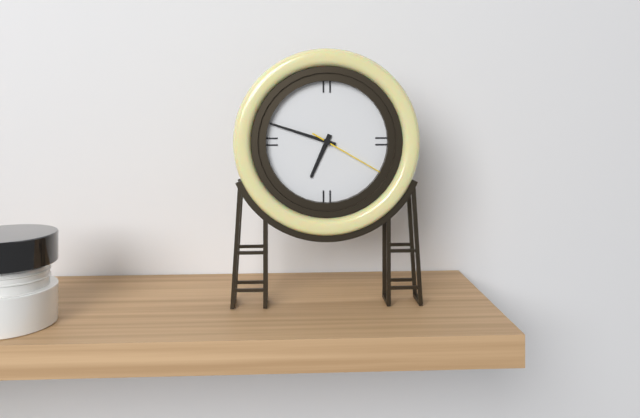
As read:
**6:48:20**
